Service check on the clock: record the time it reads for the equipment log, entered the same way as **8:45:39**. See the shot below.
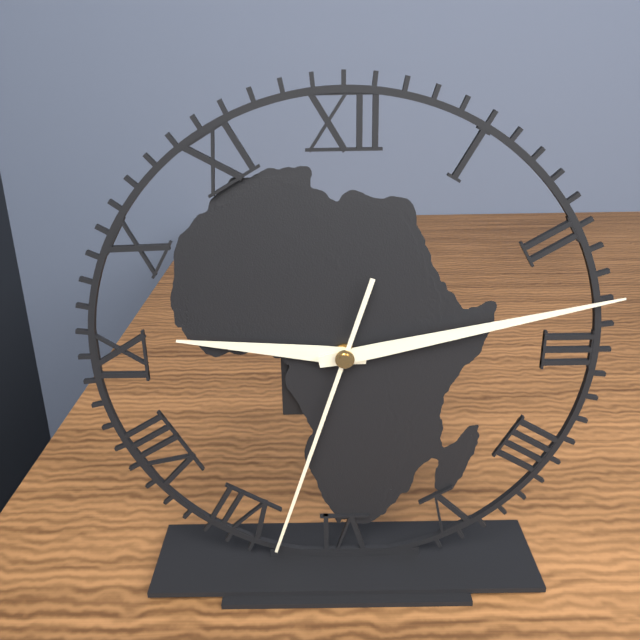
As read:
**9:13:33**
